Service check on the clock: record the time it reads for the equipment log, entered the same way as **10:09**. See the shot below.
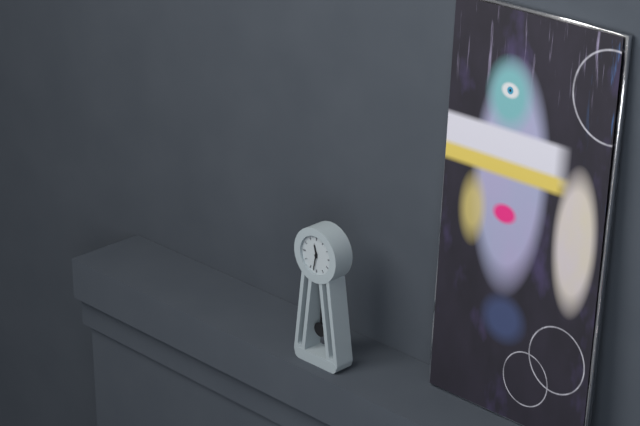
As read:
**11:32**
